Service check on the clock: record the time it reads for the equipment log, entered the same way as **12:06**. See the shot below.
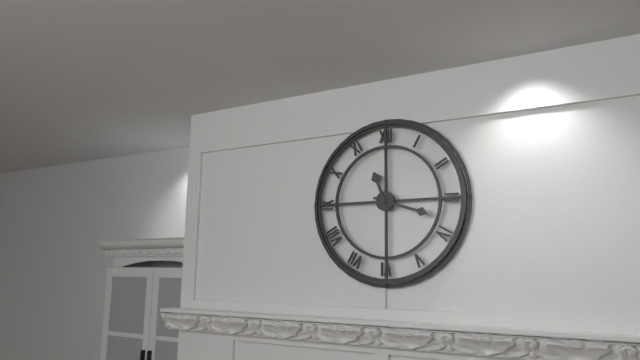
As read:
**11:18**
